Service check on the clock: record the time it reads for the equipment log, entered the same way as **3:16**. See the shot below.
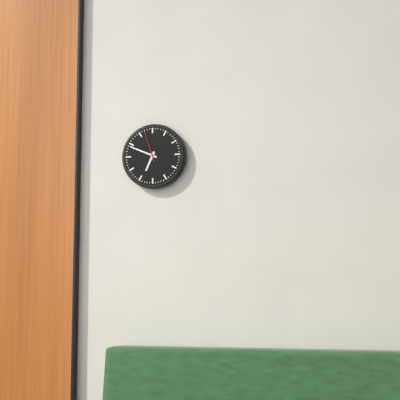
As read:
**6:49**
